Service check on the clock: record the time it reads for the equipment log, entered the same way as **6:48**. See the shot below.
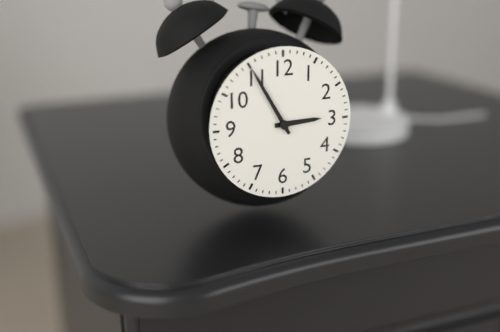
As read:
**2:55**
